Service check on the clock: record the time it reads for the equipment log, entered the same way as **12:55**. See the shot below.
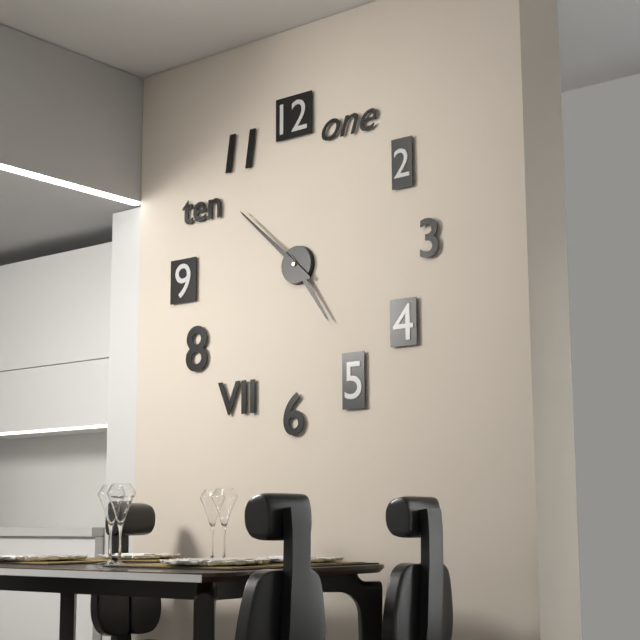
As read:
**4:52**
